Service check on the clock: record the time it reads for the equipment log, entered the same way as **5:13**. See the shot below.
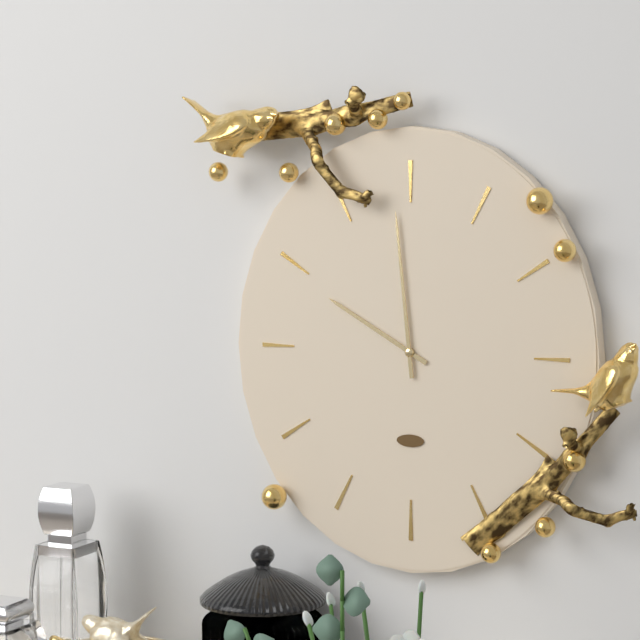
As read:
**9:59**
